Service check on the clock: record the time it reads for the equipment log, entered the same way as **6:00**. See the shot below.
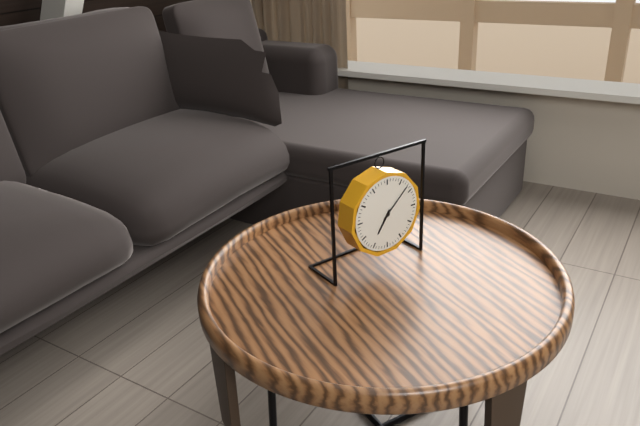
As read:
**7:08**
